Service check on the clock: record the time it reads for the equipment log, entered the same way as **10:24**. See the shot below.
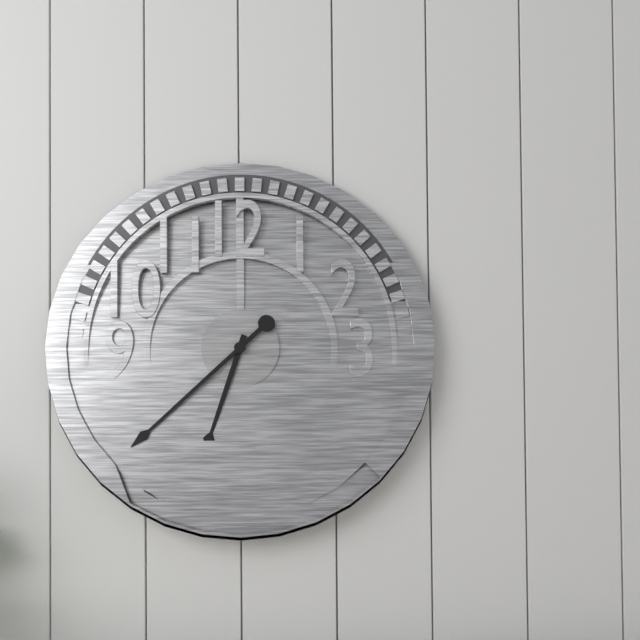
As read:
**6:38**
